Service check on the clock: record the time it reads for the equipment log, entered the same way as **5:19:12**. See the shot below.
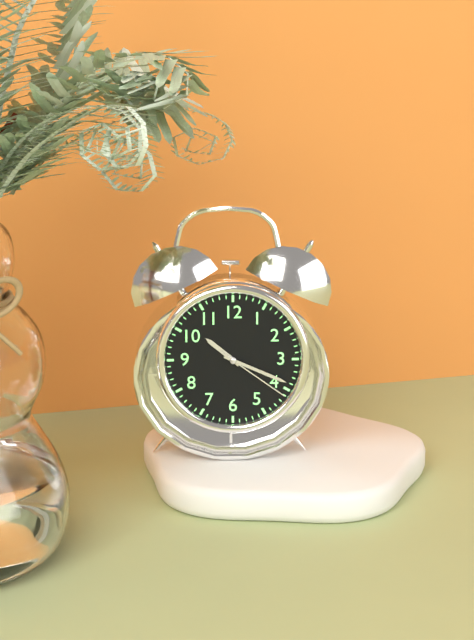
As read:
**10:19:21**
